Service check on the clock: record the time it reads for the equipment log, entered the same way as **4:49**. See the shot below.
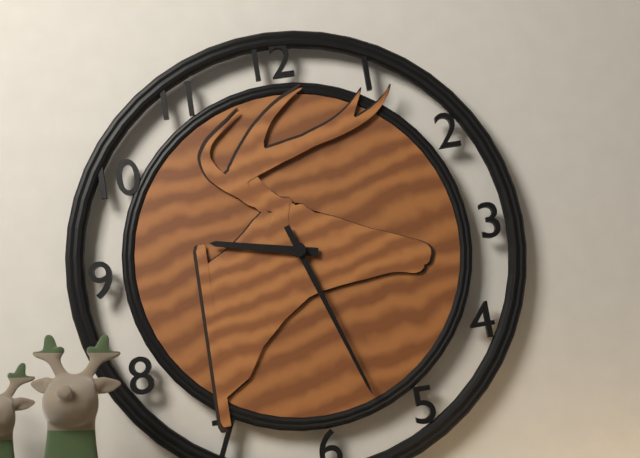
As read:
**9:27**
